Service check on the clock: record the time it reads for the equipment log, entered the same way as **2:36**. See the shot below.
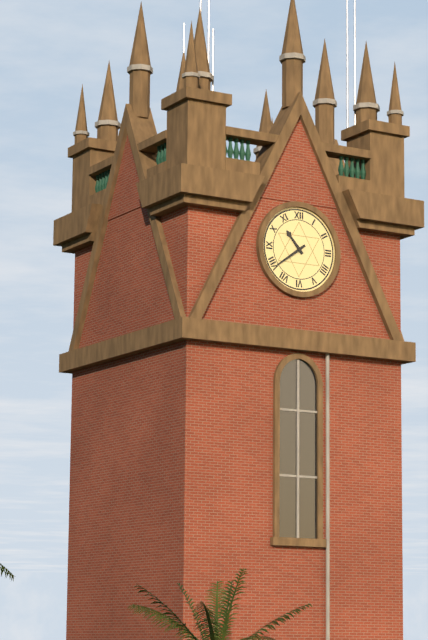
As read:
**10:39**
